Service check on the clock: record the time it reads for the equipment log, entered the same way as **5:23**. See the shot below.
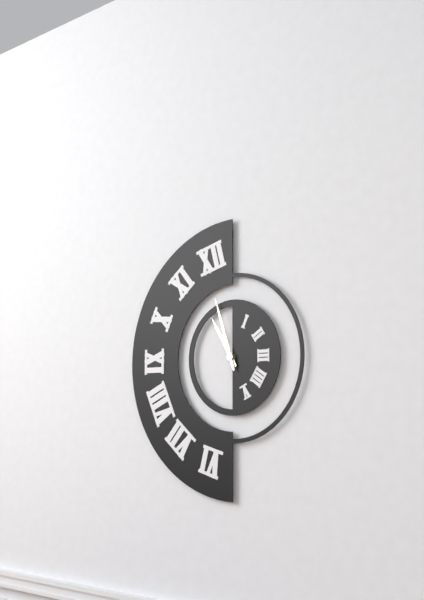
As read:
**10:57**
